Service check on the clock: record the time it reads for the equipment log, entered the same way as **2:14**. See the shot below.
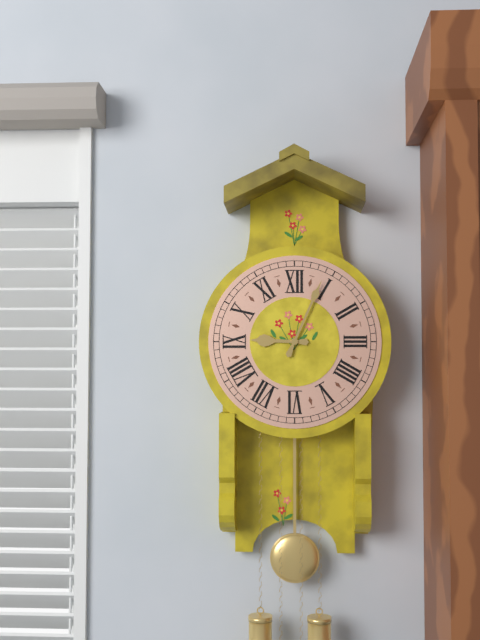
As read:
**9:04**
